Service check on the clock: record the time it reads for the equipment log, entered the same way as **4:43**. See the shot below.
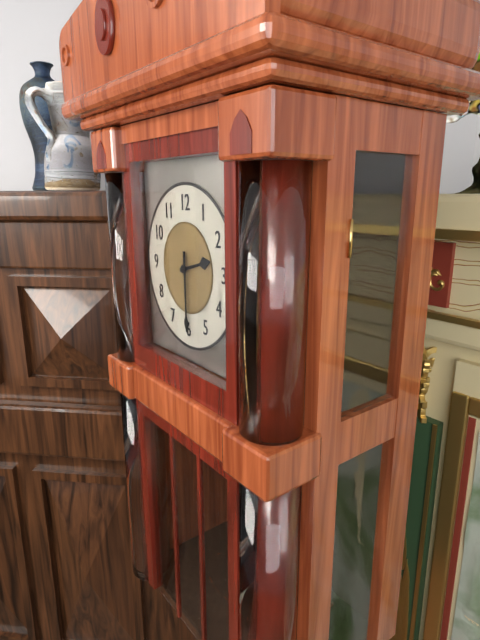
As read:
**2:30**
